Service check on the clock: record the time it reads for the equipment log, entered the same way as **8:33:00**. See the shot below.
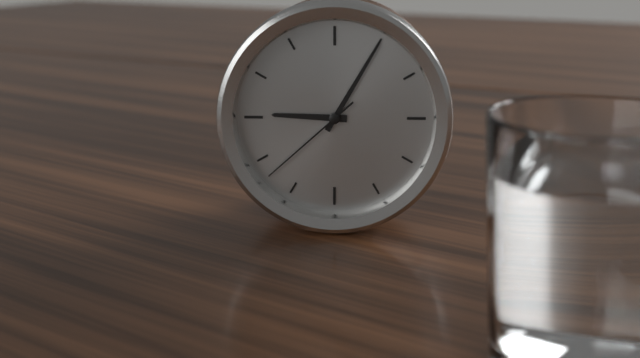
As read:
**9:05:38**
